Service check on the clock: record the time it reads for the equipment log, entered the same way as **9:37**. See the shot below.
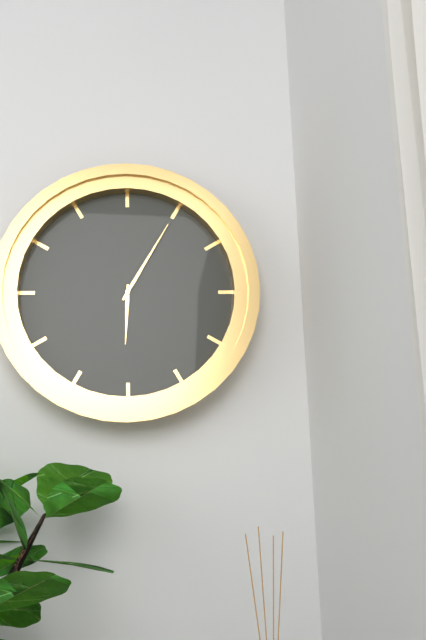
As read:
**6:05**
